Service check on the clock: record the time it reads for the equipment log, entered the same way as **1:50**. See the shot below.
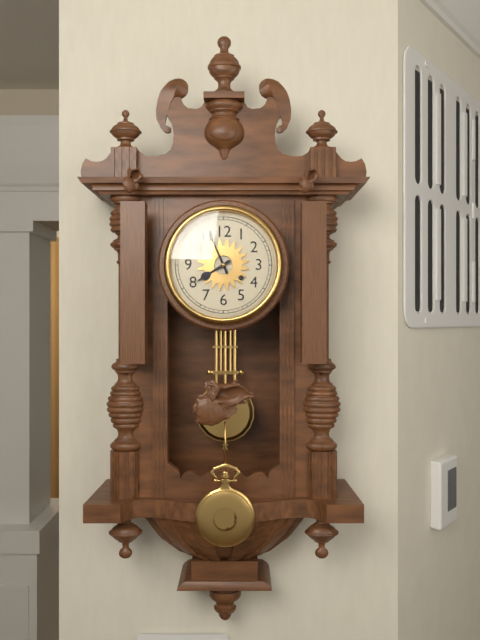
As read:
**7:56**
